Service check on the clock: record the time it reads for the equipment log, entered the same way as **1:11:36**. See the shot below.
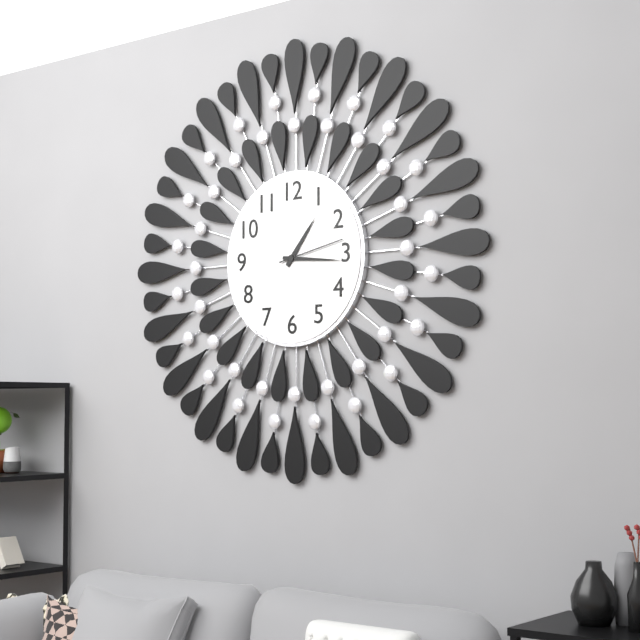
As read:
**1:16:13**
